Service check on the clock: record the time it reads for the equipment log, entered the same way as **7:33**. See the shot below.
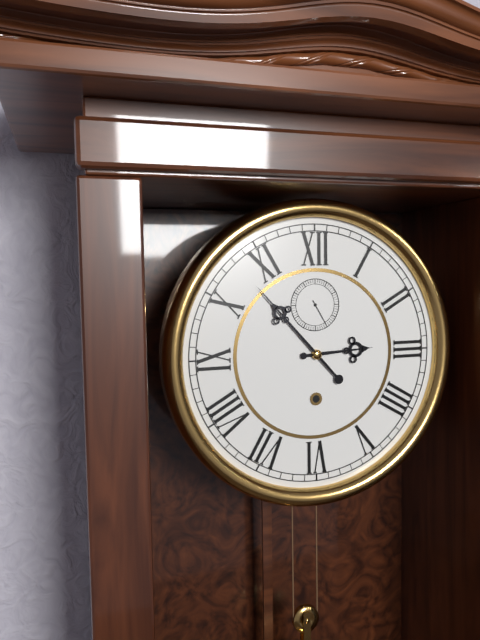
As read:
**2:53**
